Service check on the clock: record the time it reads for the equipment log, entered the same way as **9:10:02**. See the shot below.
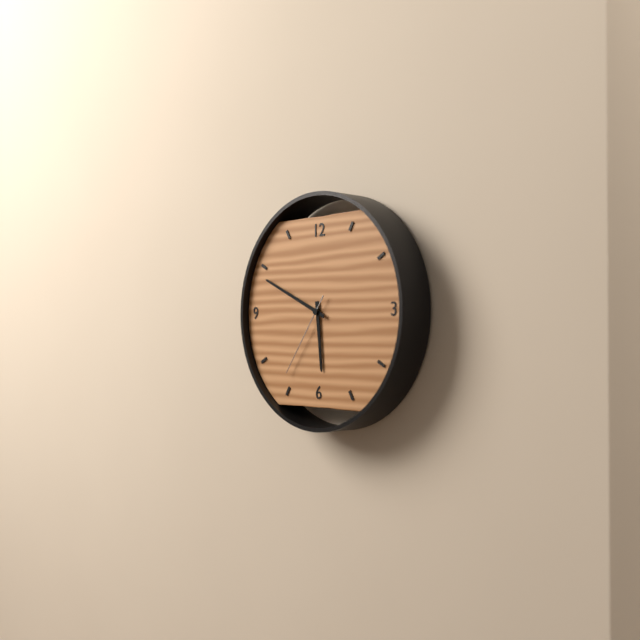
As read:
**5:49:36**
